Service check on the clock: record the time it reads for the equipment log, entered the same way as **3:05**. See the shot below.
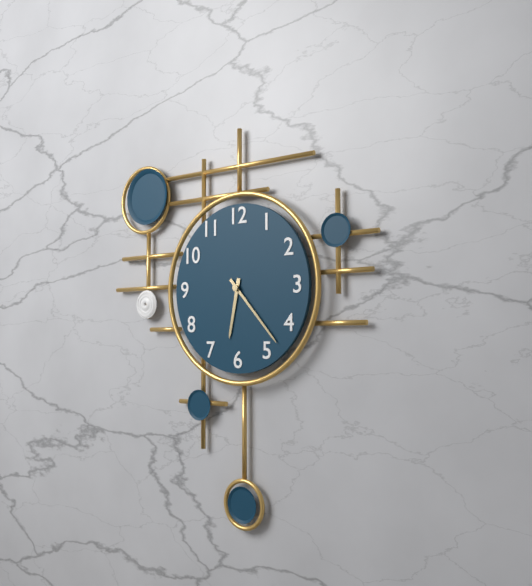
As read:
**6:23**
